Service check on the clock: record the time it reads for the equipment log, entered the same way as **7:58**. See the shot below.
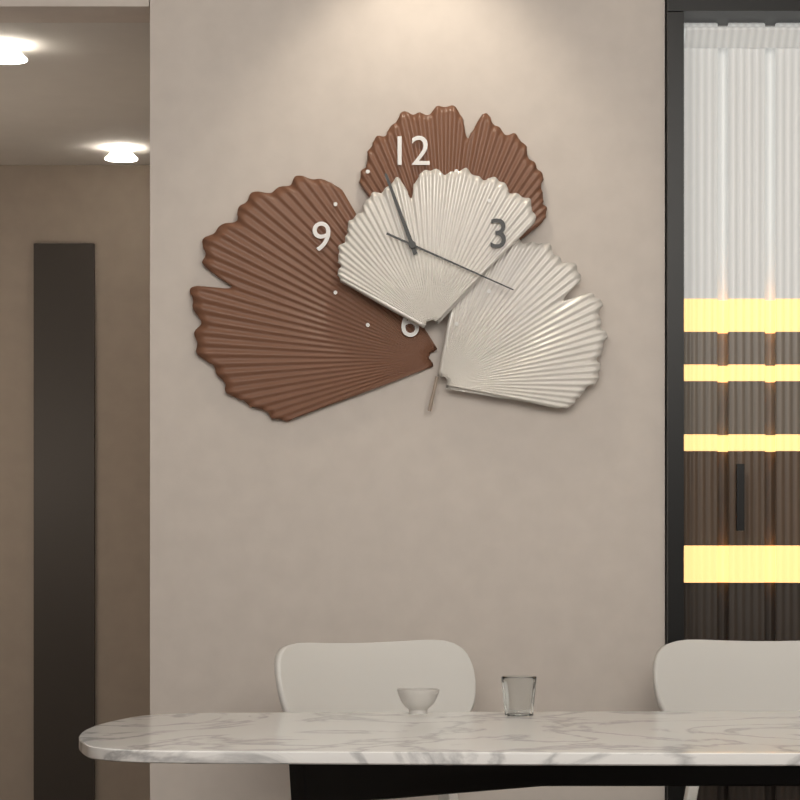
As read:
**11:19**
